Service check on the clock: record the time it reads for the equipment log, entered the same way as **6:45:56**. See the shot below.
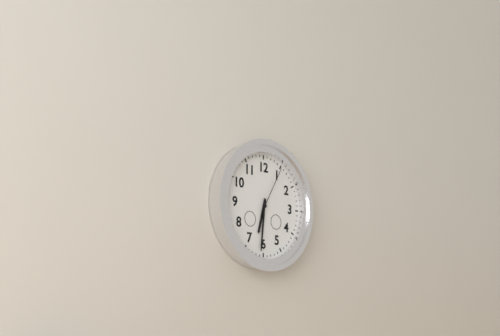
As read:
**6:31:05**
